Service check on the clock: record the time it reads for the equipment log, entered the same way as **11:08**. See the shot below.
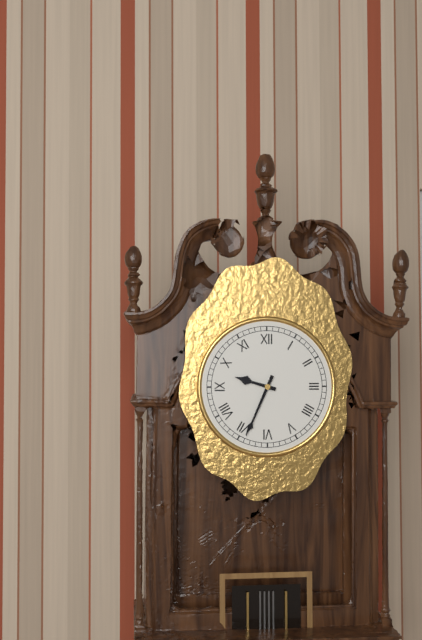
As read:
**9:34**
